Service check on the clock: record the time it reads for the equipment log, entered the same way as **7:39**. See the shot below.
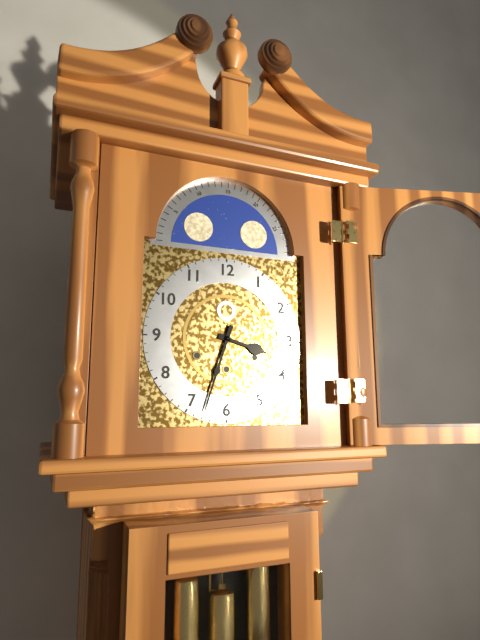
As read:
**3:33**
